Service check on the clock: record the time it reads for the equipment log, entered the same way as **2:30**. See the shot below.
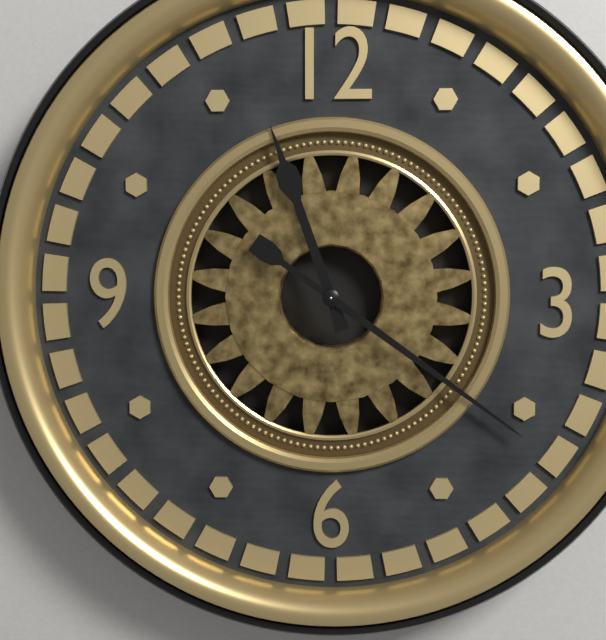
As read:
**11:21**
